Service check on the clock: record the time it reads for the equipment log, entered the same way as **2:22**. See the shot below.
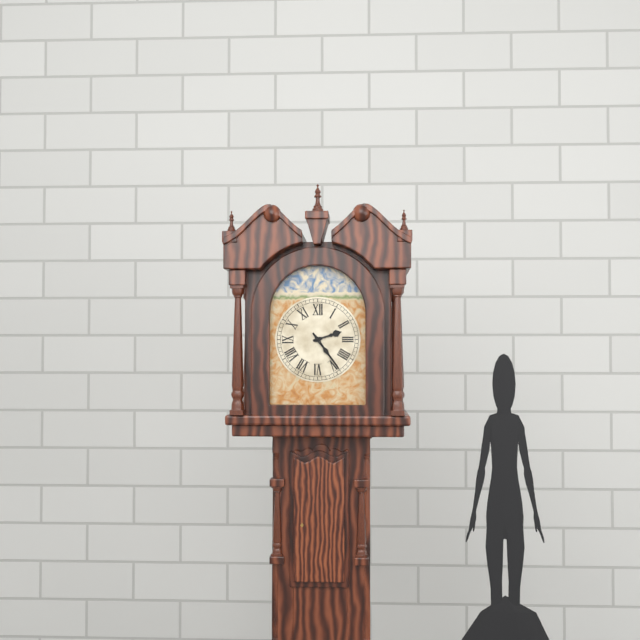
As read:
**2:24**
